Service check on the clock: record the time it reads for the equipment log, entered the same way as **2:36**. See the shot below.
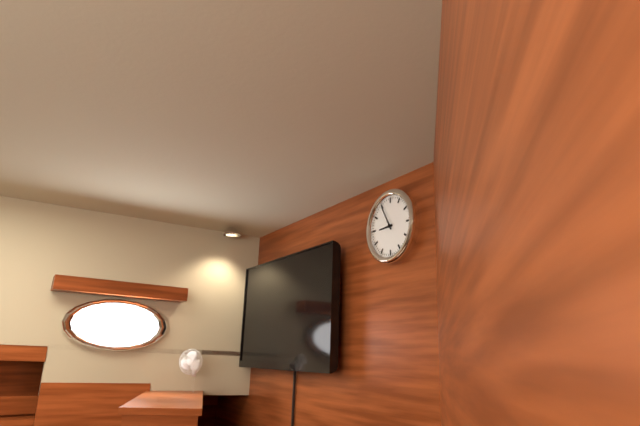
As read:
**8:55**
